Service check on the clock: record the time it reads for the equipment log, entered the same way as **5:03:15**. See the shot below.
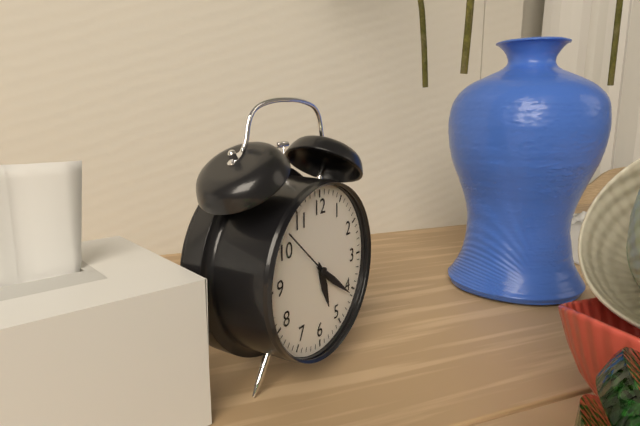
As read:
**5:21:52**
